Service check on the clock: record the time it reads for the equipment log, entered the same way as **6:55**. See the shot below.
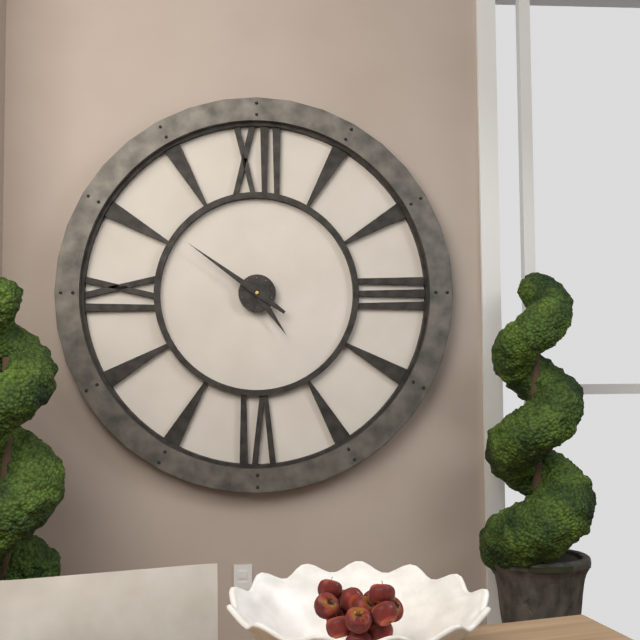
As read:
**4:51**
